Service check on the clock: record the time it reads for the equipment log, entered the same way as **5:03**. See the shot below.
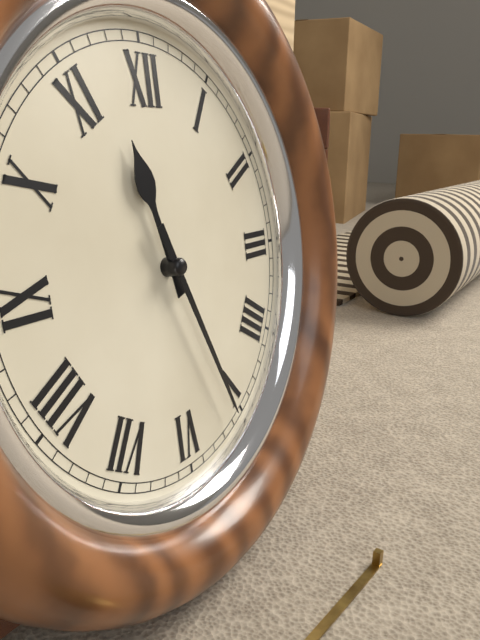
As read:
**11:26**
